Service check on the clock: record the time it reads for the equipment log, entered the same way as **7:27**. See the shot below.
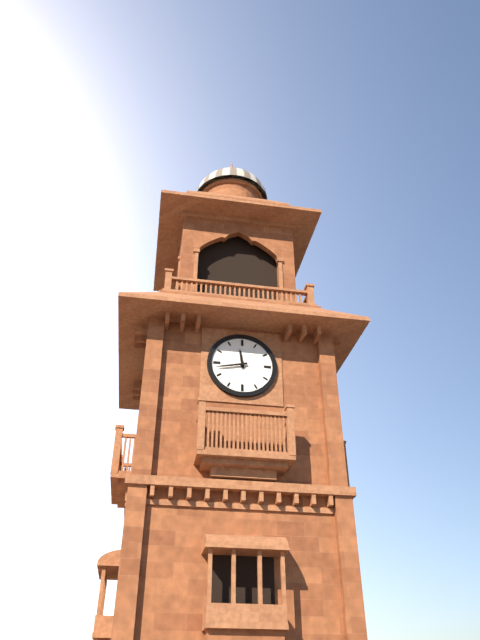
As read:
**11:43**
